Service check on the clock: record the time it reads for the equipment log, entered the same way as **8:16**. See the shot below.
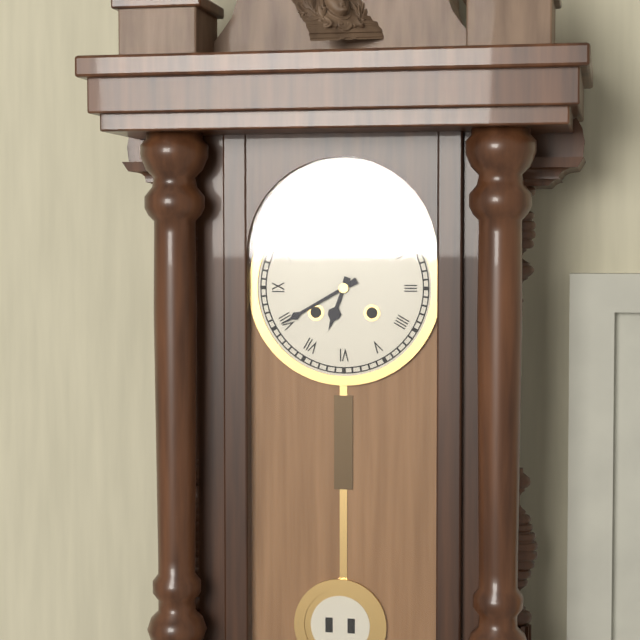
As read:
**6:40**
